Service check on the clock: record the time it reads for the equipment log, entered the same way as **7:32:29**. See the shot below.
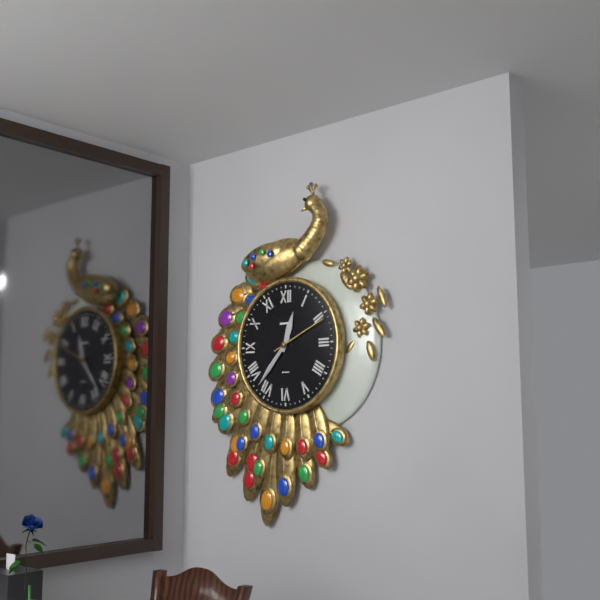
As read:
**12:37:11**
